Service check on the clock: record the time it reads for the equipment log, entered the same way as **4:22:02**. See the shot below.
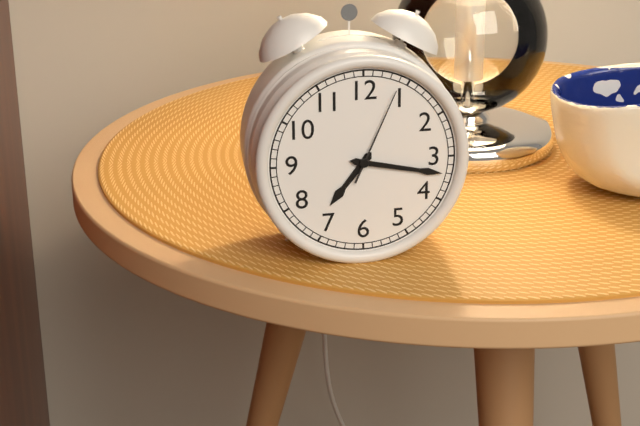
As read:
**7:17:04**
